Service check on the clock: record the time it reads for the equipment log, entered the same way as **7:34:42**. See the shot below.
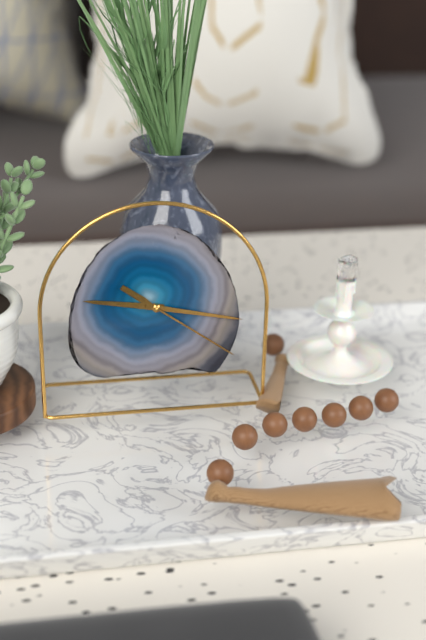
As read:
**9:17:21**
